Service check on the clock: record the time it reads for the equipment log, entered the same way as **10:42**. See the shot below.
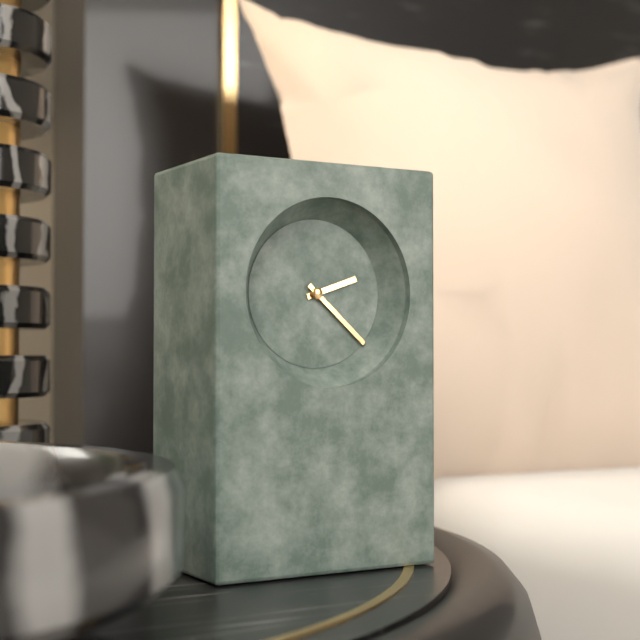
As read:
**2:22**
